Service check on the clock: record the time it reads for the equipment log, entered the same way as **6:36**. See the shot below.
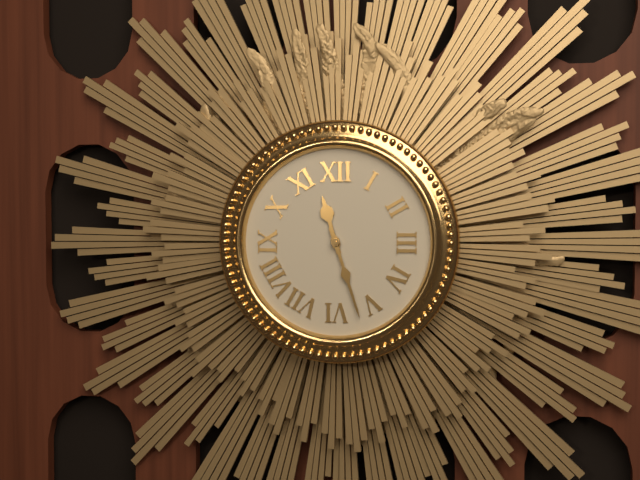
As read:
**11:27**
